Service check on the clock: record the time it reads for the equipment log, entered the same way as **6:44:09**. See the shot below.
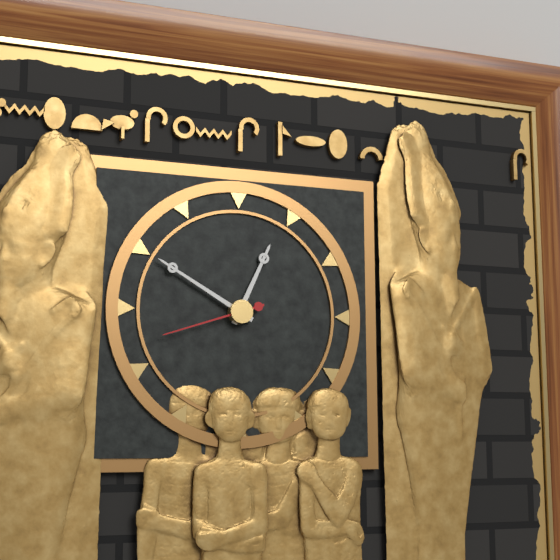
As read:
**12:50:42**
